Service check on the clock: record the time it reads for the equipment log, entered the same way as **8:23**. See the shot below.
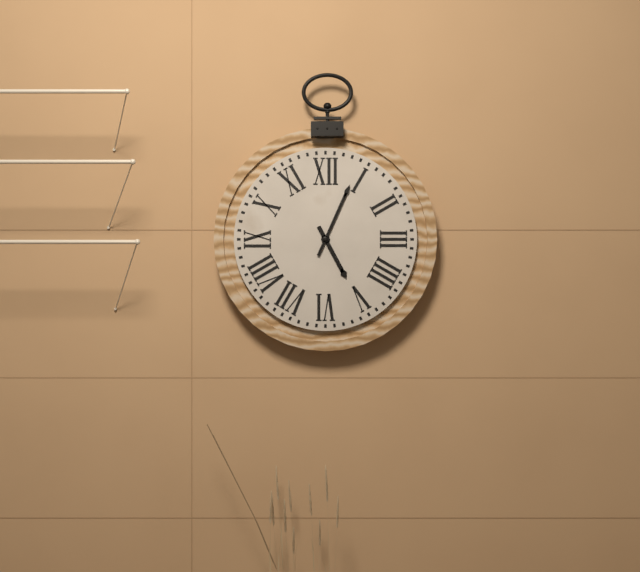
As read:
**5:04**
